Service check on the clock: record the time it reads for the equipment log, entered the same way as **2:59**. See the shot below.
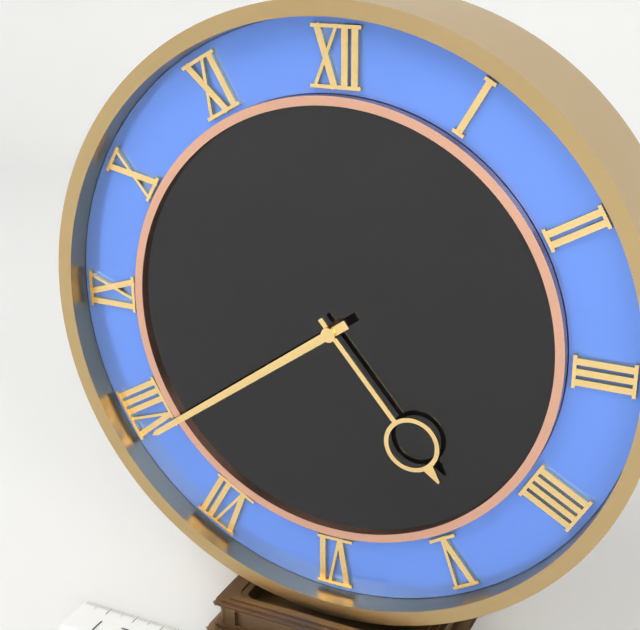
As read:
**4:39**
